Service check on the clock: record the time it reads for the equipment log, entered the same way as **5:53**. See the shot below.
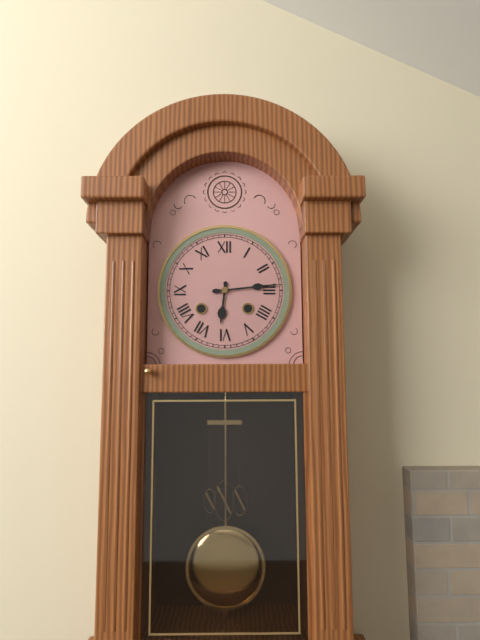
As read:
**6:14**
